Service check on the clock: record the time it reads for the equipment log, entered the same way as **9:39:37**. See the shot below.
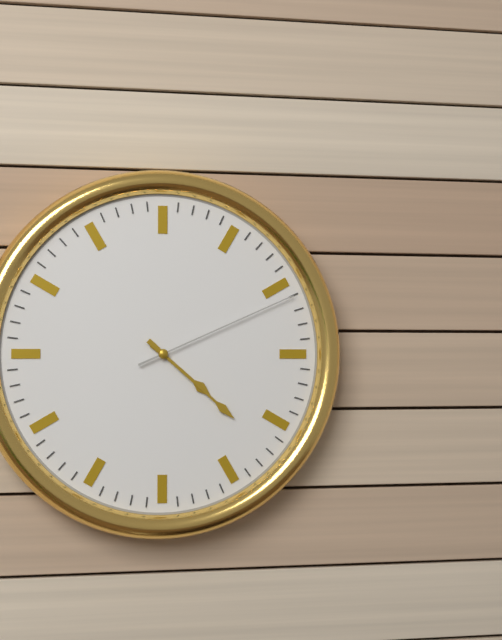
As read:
**4:22:11**
